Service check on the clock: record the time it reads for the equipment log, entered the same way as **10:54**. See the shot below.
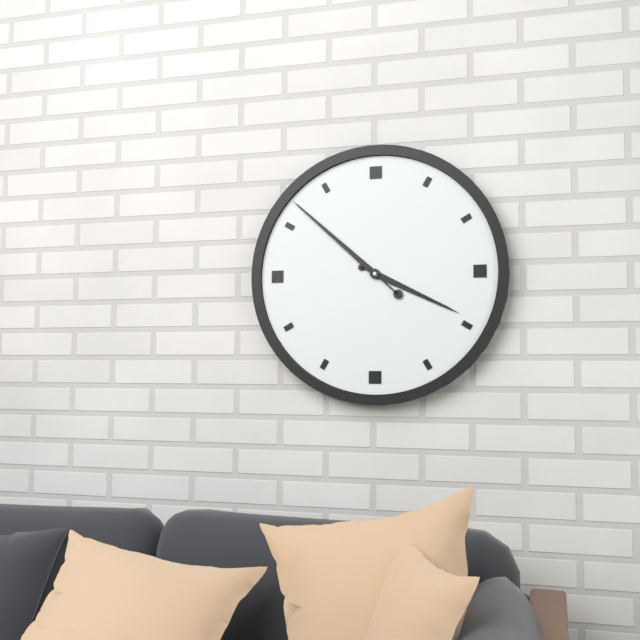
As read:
**3:52**
